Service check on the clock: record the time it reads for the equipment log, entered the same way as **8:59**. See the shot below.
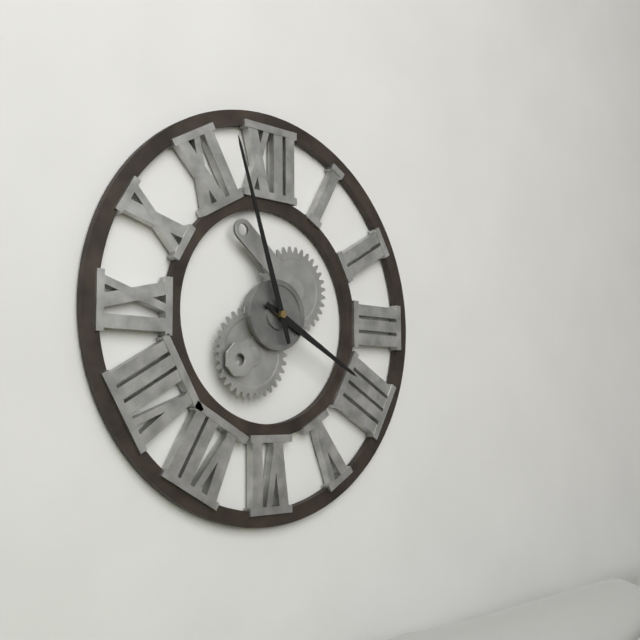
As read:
**3:57**
